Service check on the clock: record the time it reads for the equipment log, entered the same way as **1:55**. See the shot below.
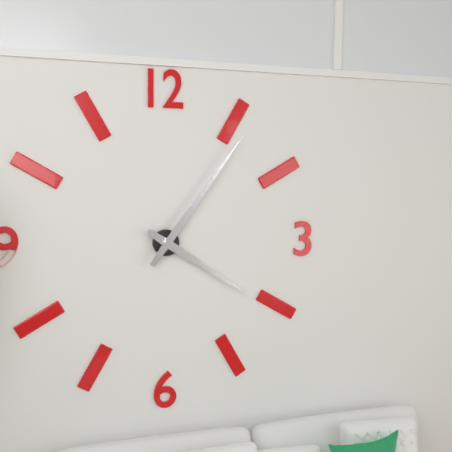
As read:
**4:06**
